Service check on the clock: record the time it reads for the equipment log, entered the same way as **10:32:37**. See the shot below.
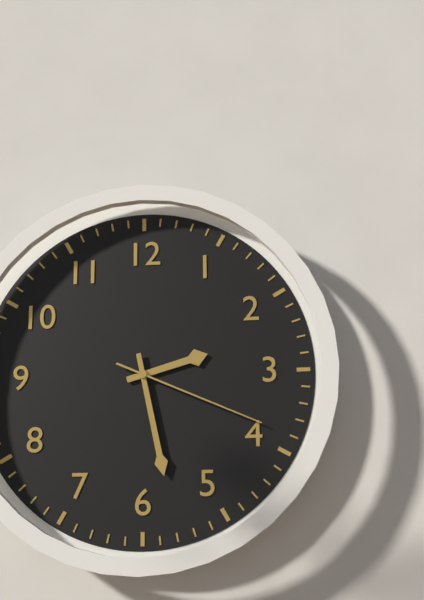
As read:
**2:28:19**
